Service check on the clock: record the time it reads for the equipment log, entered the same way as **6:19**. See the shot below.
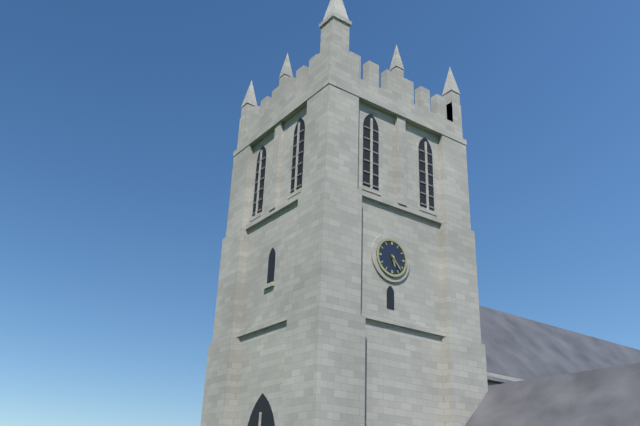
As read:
**5:23**
